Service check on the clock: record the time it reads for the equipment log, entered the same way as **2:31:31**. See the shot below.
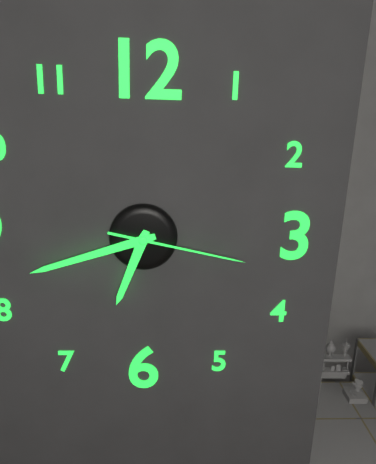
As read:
**6:42:17**
